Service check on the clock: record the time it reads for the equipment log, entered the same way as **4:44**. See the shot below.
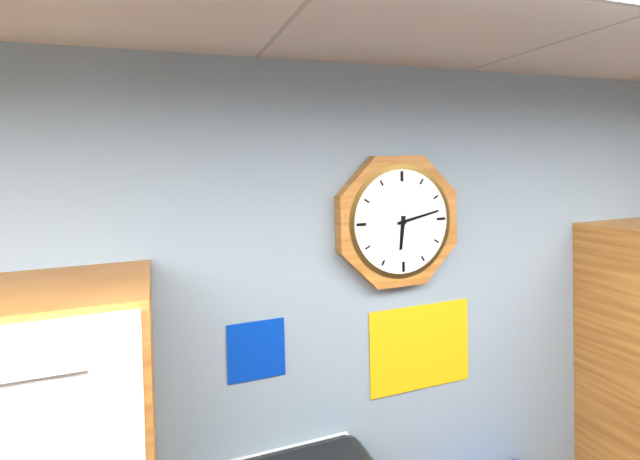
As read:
**6:13**
